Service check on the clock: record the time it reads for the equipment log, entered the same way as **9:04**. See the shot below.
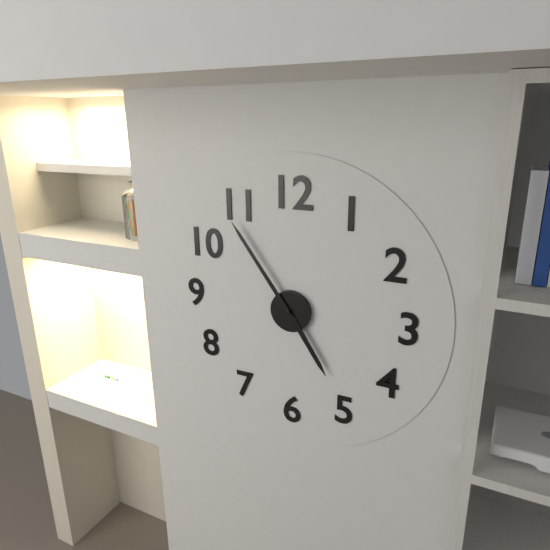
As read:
**4:54**
